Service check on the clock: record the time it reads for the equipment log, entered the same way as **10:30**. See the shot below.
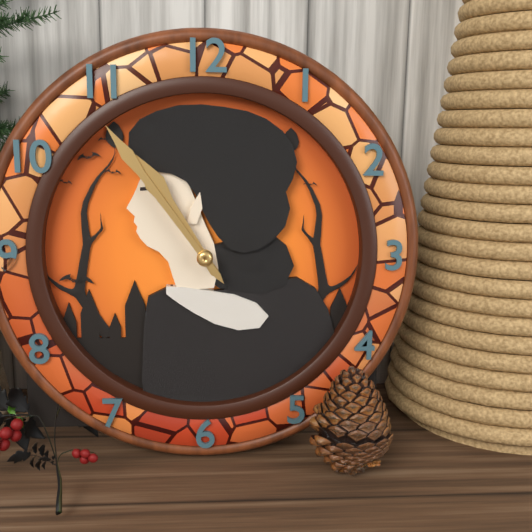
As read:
**10:54**
